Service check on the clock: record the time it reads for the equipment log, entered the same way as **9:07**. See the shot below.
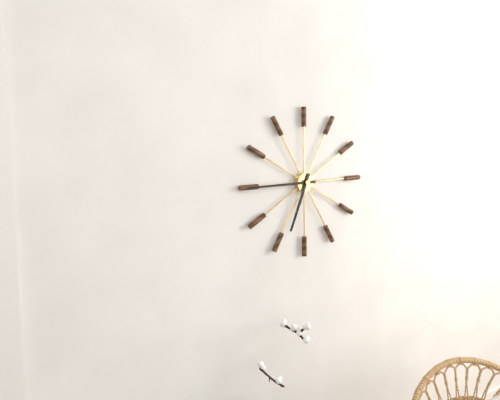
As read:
**6:45**
